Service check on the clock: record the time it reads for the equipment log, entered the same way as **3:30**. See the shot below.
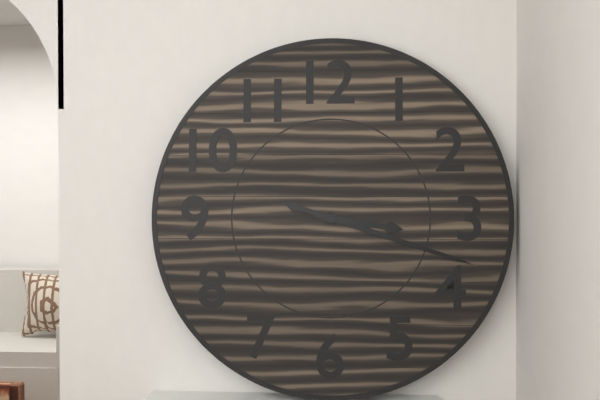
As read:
**3:18**
